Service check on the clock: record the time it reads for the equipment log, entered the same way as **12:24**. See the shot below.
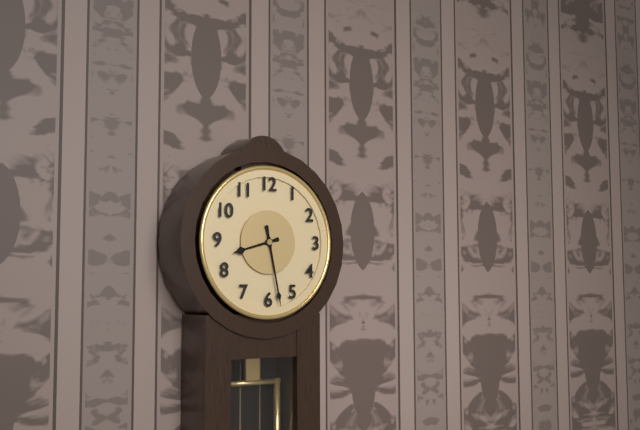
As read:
**8:28**
